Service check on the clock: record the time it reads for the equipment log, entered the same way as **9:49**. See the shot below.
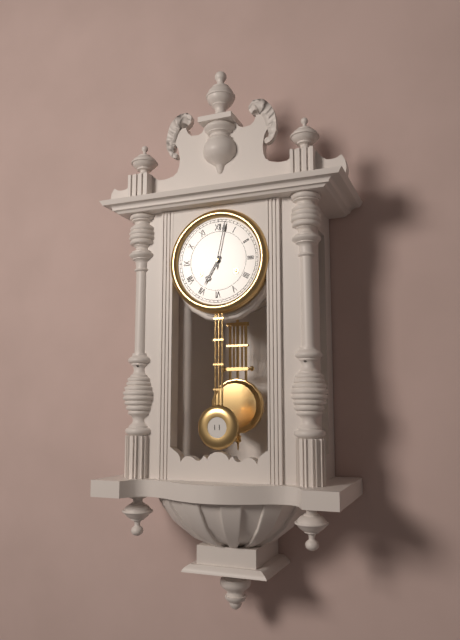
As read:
**7:02**
